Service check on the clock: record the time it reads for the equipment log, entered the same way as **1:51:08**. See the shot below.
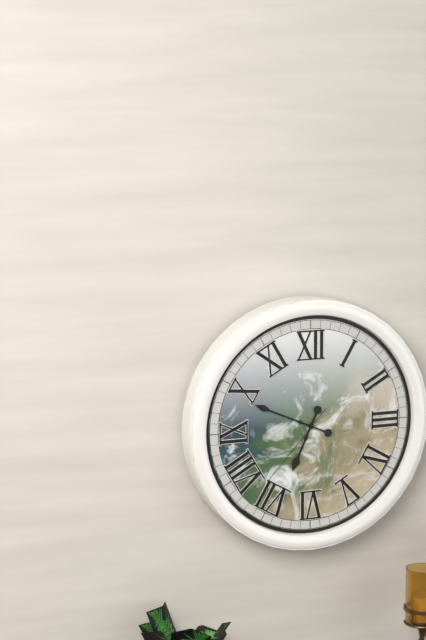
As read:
**6:49:37**
